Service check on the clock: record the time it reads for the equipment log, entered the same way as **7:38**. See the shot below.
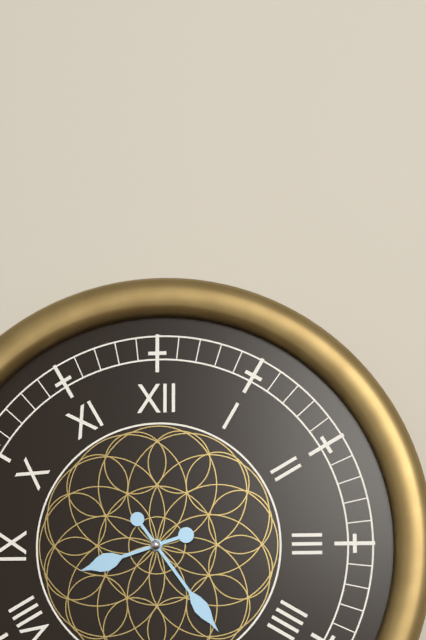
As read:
**8:24**
